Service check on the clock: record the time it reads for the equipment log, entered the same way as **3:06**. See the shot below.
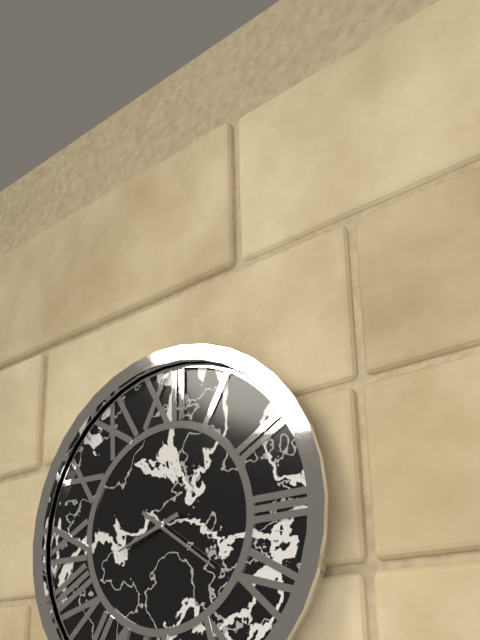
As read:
**8:21**
